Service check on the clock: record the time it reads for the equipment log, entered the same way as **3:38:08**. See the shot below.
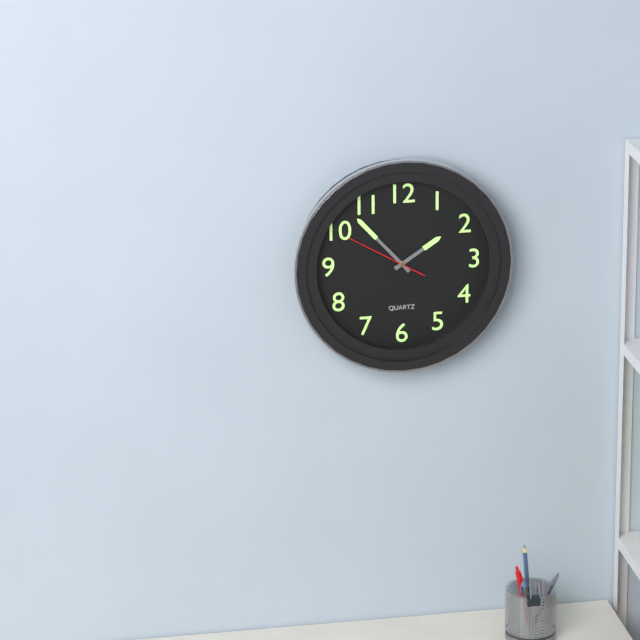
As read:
**1:53:50**
